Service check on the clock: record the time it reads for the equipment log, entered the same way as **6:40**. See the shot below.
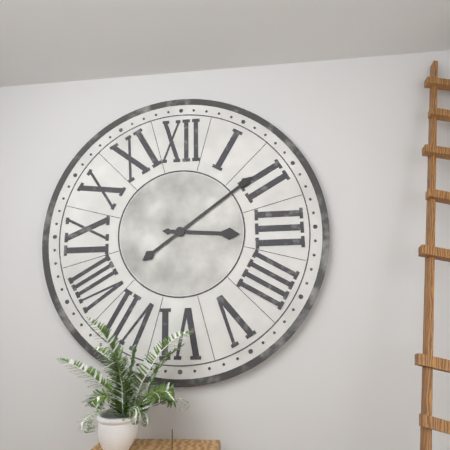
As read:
**3:09**
